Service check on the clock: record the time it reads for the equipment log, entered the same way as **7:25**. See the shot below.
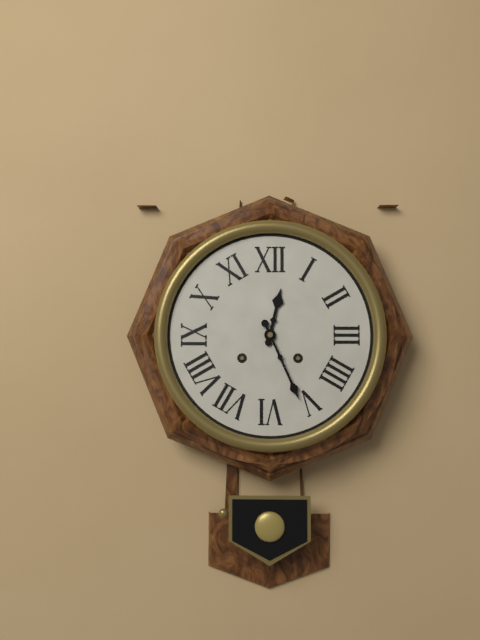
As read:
**12:26**
